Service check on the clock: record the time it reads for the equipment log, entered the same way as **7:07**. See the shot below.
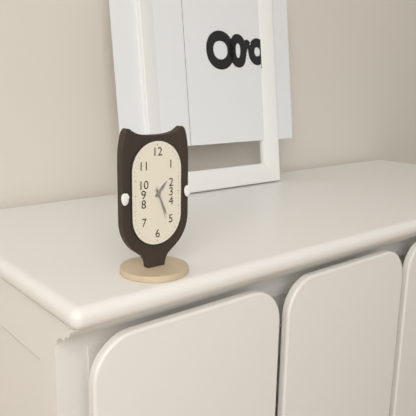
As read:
**1:26**
